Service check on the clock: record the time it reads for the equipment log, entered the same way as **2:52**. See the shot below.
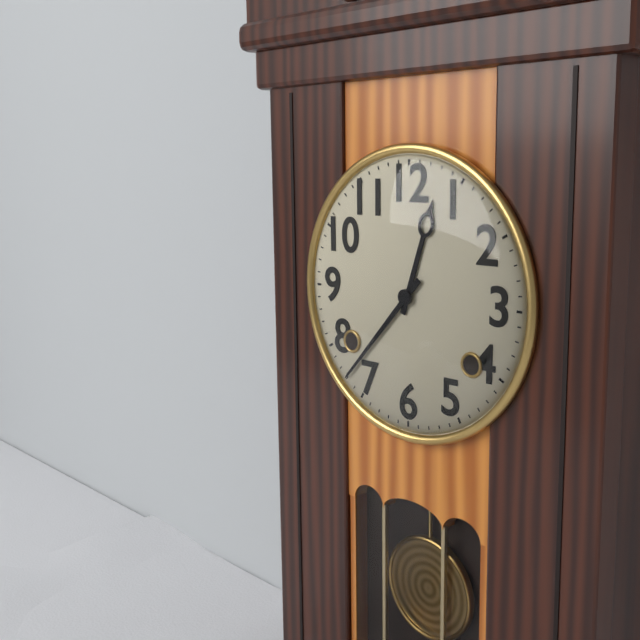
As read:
**12:37**
